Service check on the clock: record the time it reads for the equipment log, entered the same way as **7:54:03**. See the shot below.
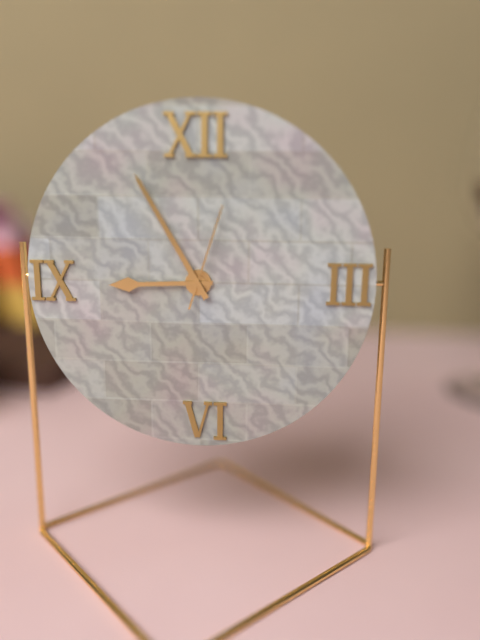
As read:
**8:55:03**
